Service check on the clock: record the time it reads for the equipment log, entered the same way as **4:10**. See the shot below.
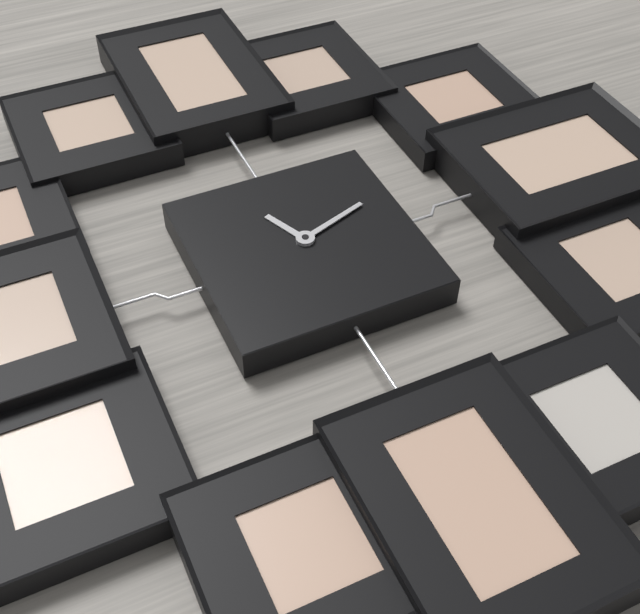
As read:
**11:12**
